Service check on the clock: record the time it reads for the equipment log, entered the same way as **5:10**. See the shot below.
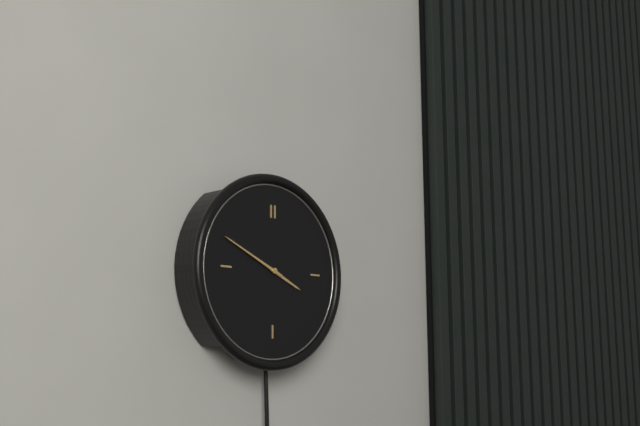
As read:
**3:49**
